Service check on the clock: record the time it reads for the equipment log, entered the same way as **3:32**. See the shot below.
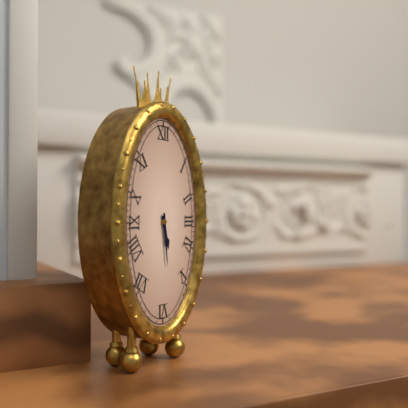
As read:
**5:29**
